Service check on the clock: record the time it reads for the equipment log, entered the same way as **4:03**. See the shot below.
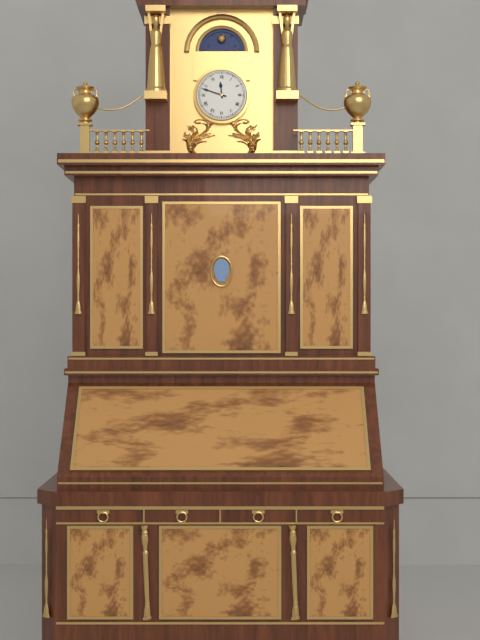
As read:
**11:48**
